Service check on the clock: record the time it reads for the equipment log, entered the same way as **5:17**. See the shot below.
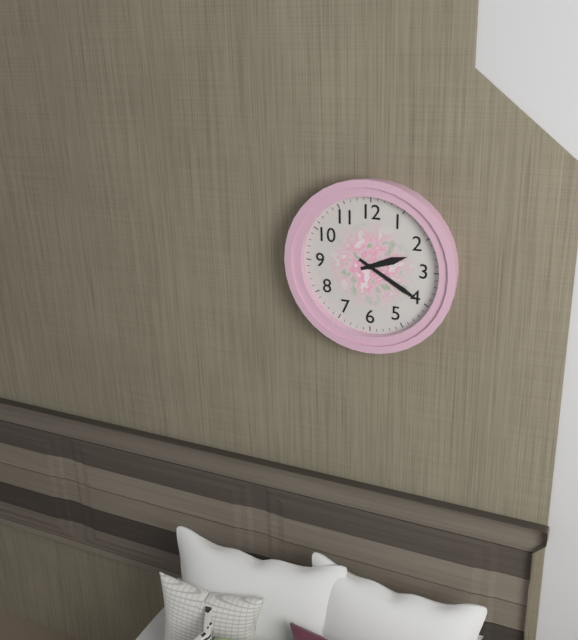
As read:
**2:20**
